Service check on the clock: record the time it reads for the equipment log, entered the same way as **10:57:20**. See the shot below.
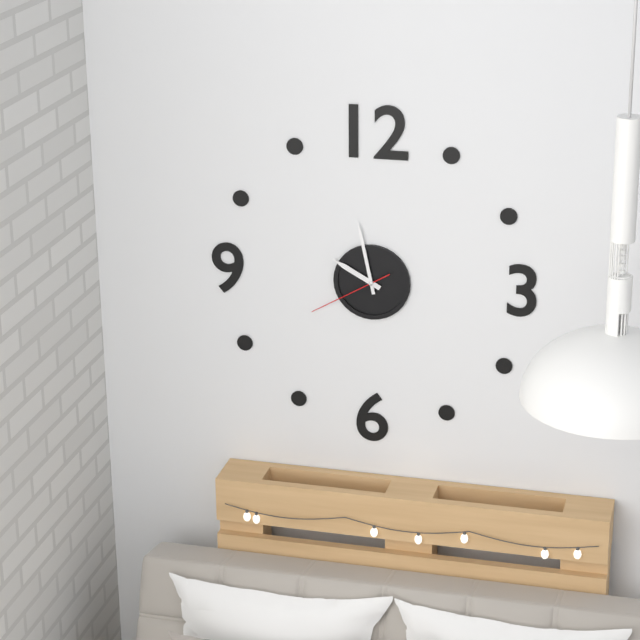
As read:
**9:58:40**
